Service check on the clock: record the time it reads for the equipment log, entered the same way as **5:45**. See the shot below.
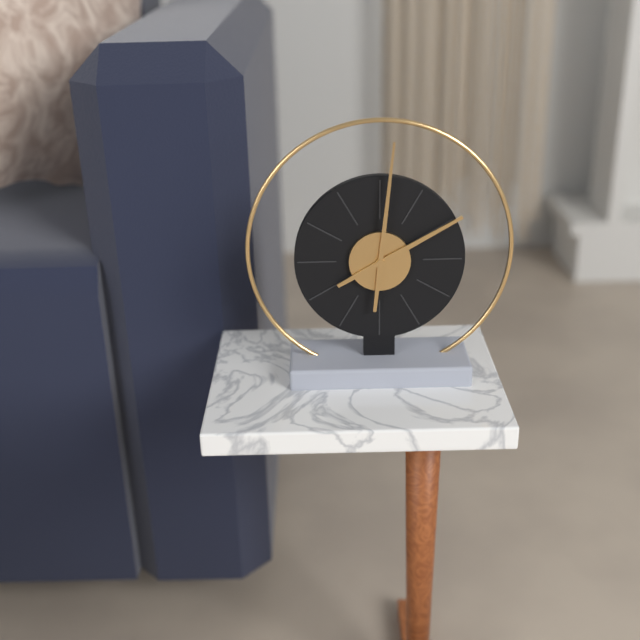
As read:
**2:01**
